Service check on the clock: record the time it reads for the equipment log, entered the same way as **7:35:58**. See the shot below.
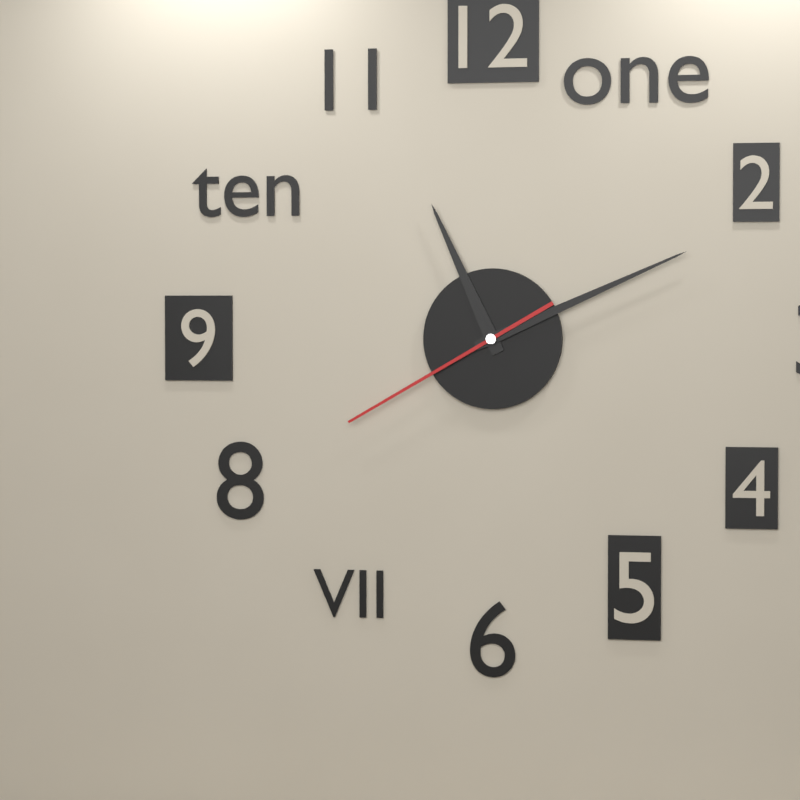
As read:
**11:11:40**
